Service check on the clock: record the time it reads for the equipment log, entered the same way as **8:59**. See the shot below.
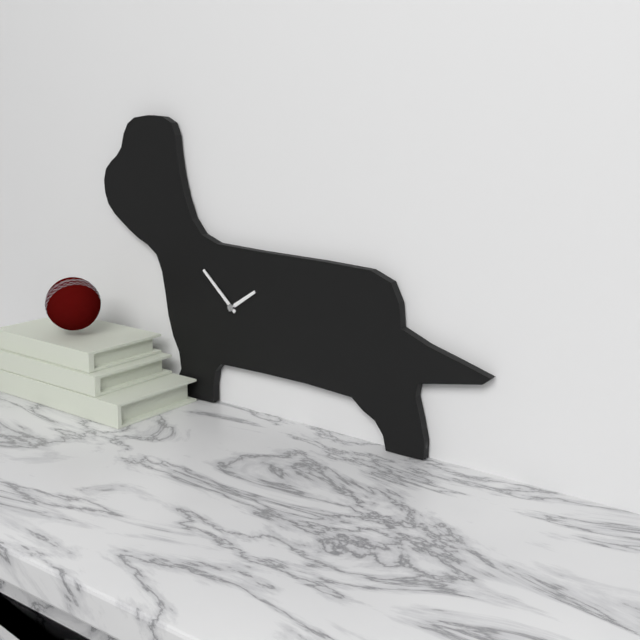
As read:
**1:52**
